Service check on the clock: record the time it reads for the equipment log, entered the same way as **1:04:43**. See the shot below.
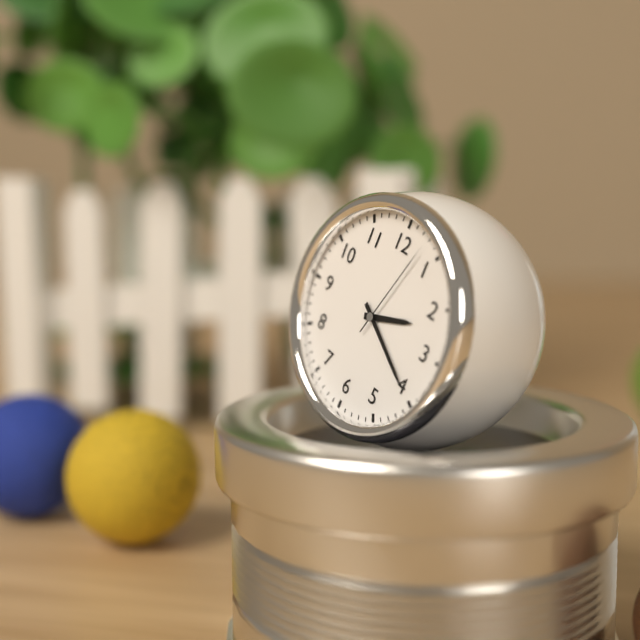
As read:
**2:20:03**
